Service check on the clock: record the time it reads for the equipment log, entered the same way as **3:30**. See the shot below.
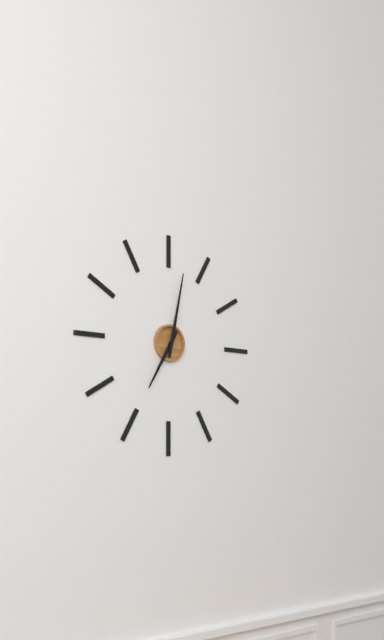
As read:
**7:02**
